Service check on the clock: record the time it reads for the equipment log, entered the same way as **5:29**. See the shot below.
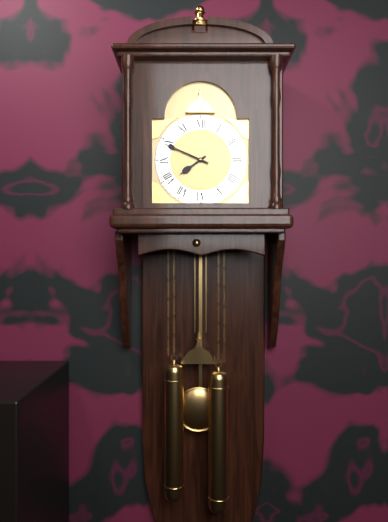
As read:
**7:49**
